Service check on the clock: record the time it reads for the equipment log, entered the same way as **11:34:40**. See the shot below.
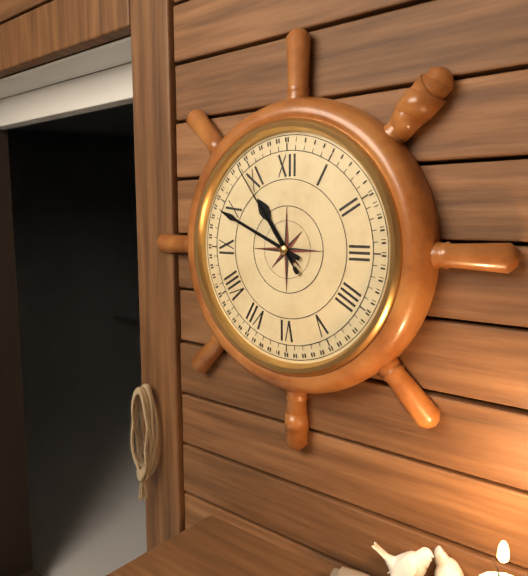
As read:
**10:49:54**
